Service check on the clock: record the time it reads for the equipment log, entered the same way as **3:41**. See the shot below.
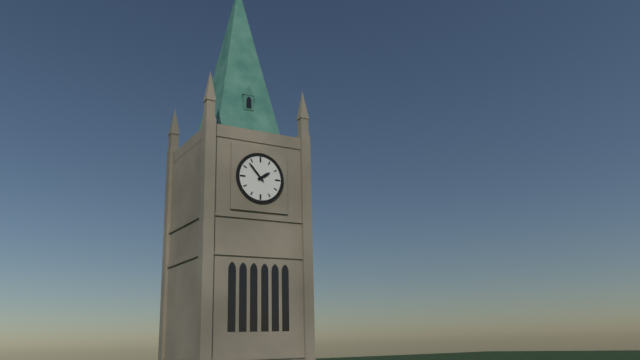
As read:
**1:53**
